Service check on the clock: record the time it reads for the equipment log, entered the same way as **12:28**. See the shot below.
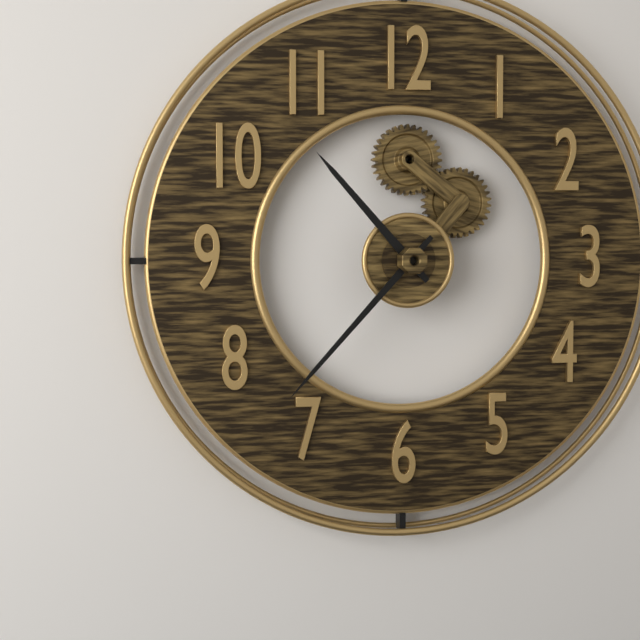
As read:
**10:37**
